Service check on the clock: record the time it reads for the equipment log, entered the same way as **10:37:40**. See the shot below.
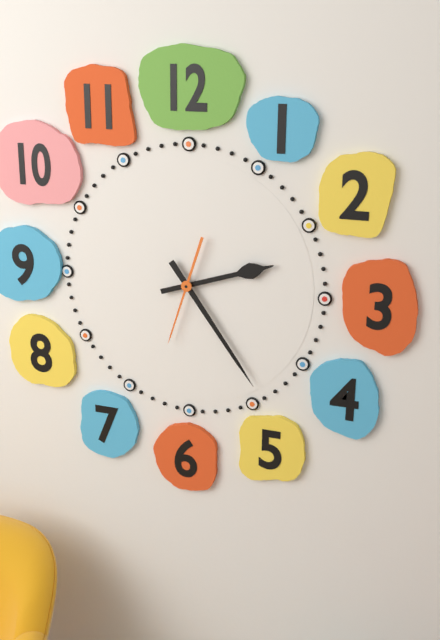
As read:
**2:24:33**
